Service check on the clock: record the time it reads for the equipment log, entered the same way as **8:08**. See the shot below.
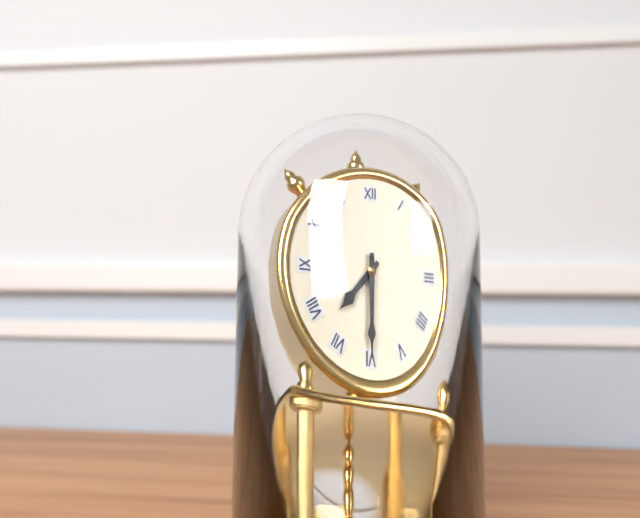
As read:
**7:30**
